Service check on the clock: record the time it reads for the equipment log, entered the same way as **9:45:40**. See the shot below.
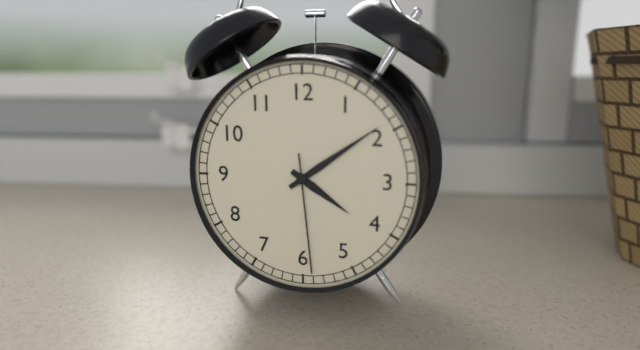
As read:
**4:09:29**
